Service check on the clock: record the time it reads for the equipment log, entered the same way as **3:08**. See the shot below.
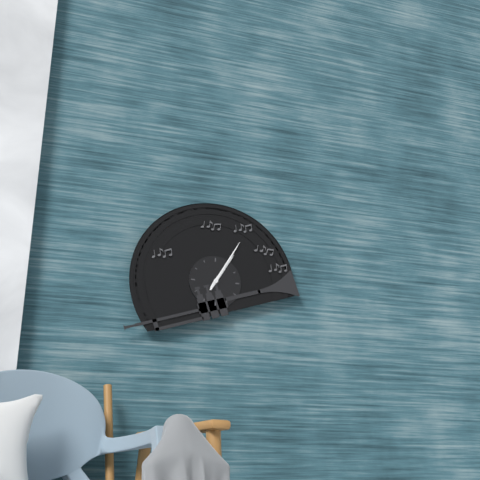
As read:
**1:05**
